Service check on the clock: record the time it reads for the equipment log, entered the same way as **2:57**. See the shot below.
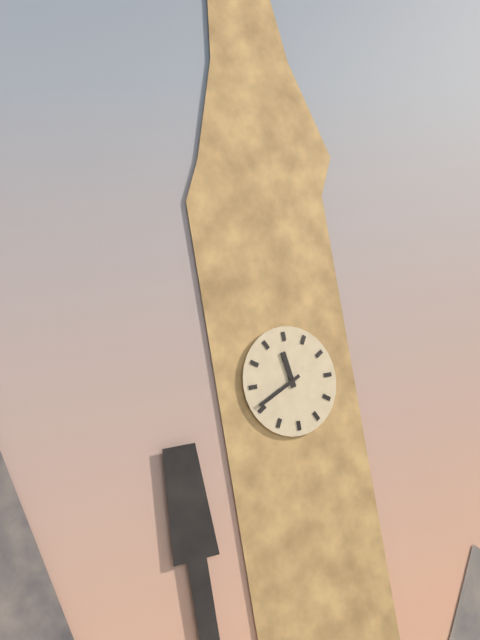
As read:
**11:41**
